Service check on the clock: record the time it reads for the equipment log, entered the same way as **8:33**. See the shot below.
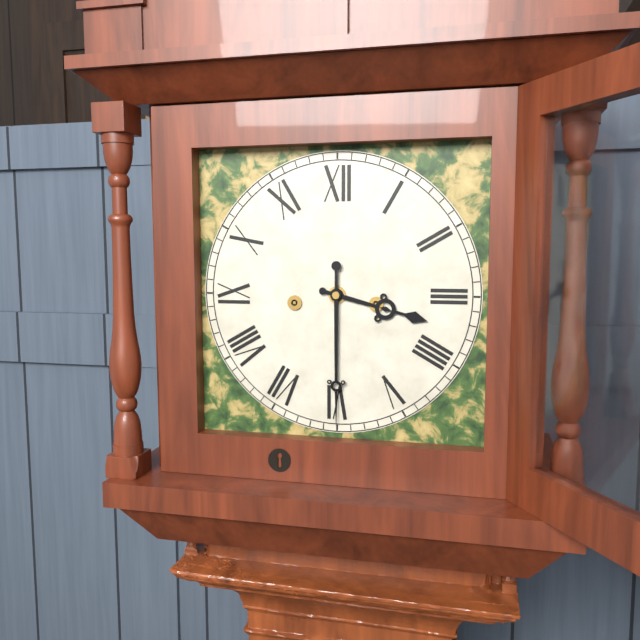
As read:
**3:30**
